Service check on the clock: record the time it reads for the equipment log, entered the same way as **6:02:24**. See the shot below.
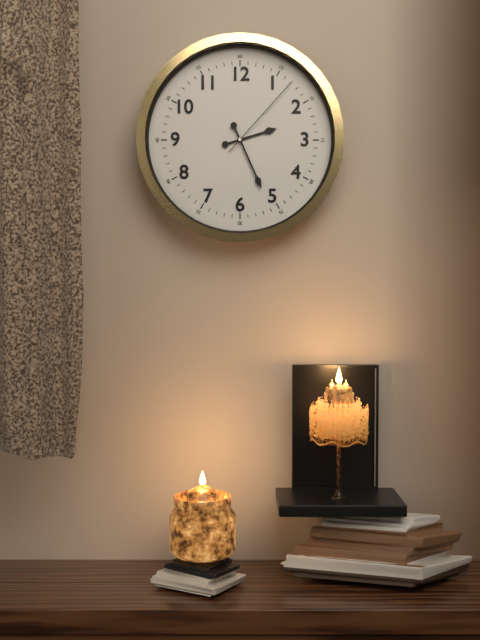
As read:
**2:26:07**
